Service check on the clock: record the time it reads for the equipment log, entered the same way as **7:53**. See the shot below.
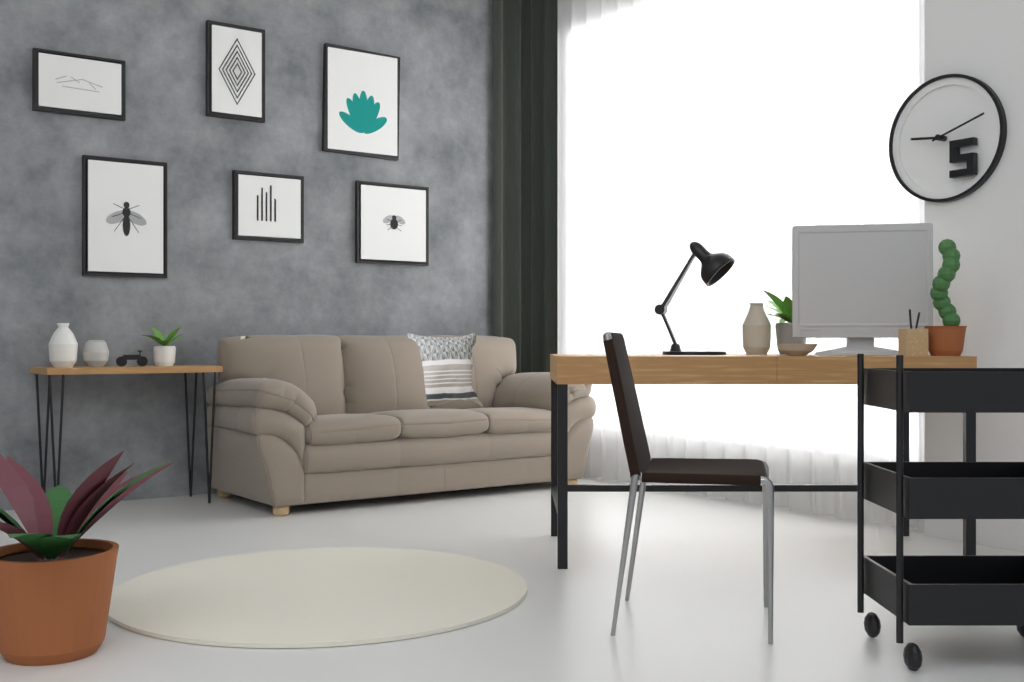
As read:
**9:12**
